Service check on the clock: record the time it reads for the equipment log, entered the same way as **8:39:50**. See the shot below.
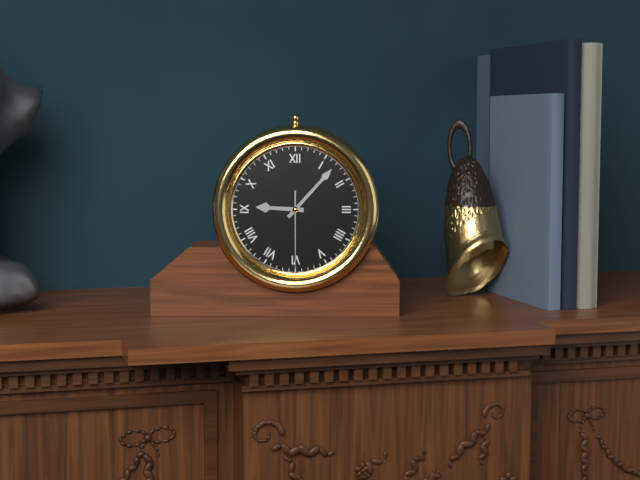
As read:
**9:07:30**
